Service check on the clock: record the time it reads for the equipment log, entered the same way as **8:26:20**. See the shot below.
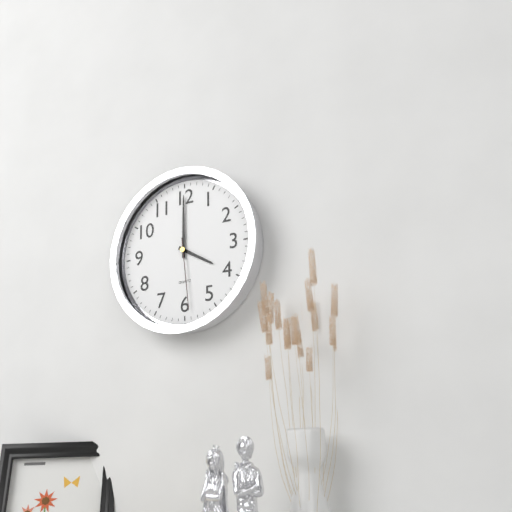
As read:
**4:00:29**
